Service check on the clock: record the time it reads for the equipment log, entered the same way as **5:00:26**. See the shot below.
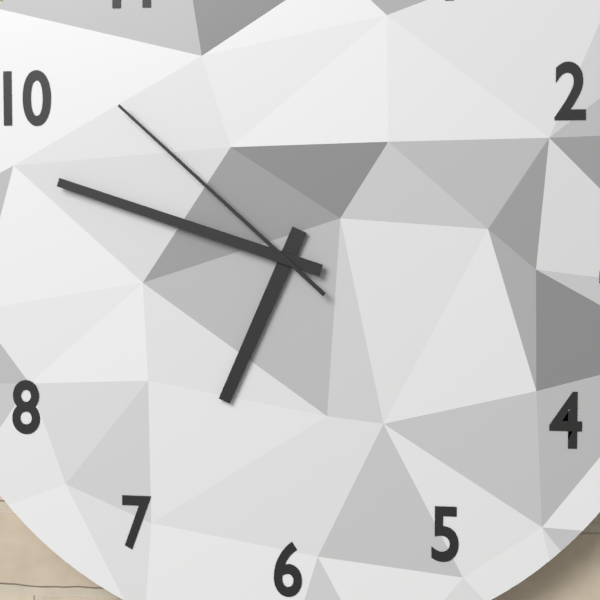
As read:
**6:48:52**
